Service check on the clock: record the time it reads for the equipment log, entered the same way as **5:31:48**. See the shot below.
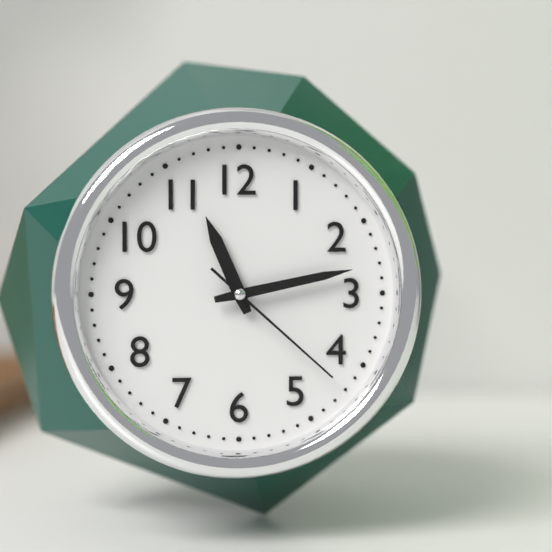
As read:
**11:13:22**
